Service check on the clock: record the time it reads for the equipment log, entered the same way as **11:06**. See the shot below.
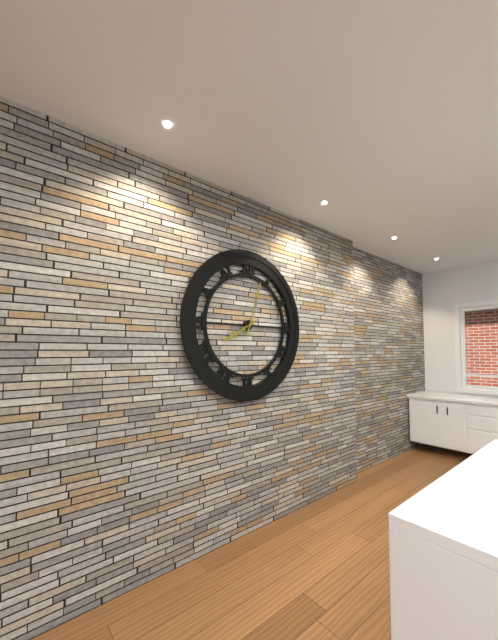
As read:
**8:03**
